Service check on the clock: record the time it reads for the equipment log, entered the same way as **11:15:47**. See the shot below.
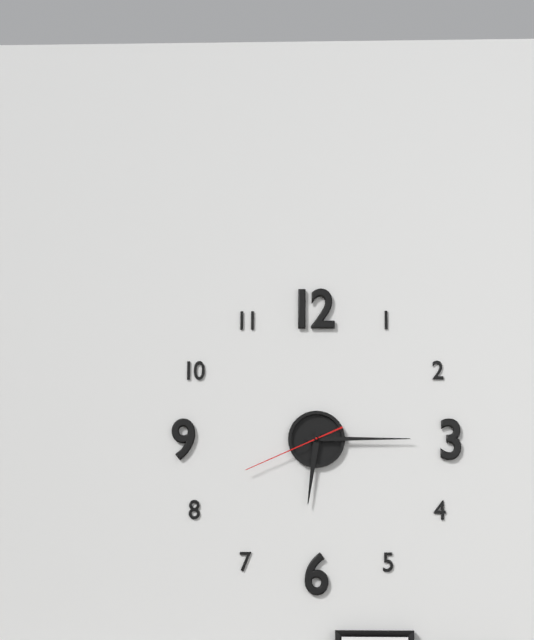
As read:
**6:15:41**
